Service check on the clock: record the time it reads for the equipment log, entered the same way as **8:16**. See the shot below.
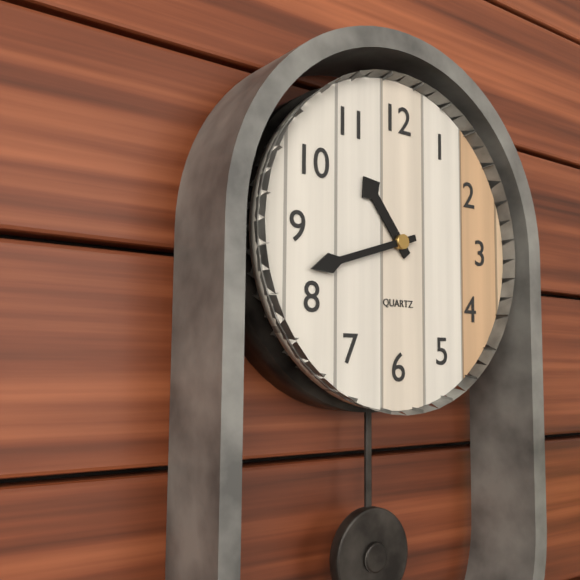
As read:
**10:42**
